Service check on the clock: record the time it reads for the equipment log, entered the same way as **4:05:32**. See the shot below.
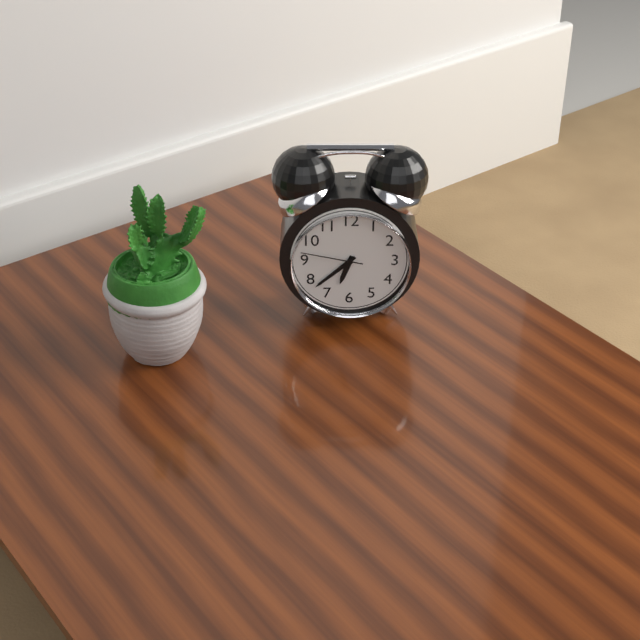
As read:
**6:38:47**
